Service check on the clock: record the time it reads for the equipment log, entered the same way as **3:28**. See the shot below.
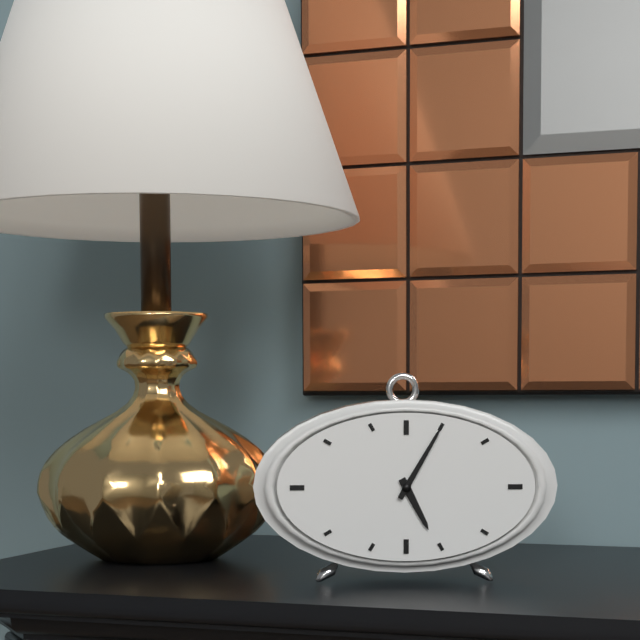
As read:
**5:05**
